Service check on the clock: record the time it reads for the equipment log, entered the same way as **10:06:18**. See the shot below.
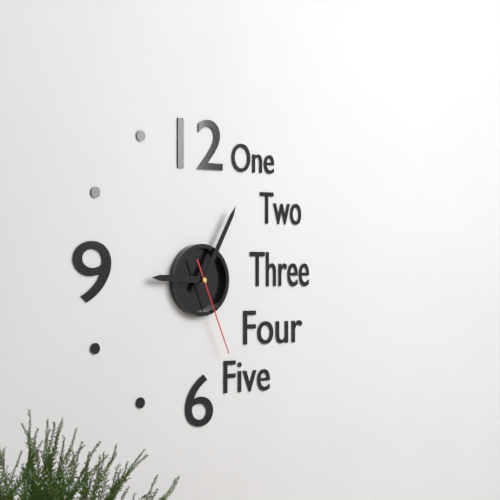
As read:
**9:05:26**
